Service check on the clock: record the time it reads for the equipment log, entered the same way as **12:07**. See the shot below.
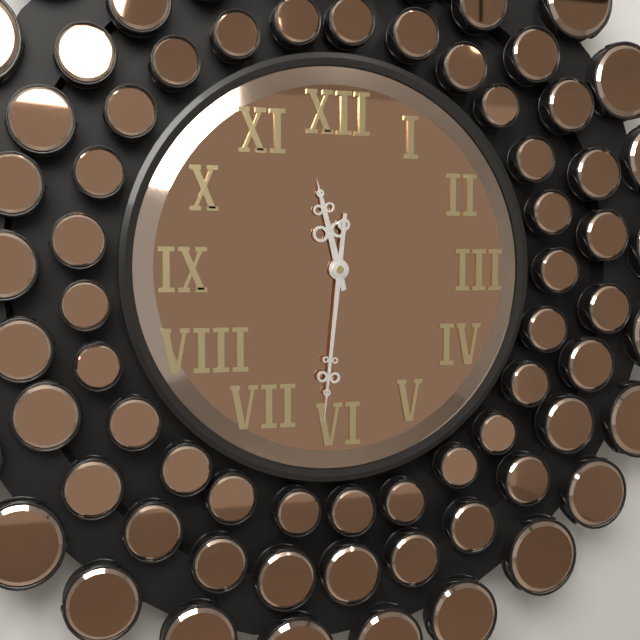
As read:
**11:31**
